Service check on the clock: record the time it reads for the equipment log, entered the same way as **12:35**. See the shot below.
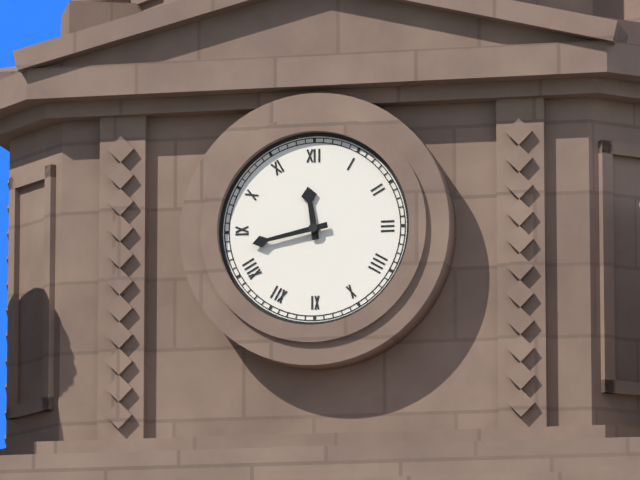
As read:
**11:43**
